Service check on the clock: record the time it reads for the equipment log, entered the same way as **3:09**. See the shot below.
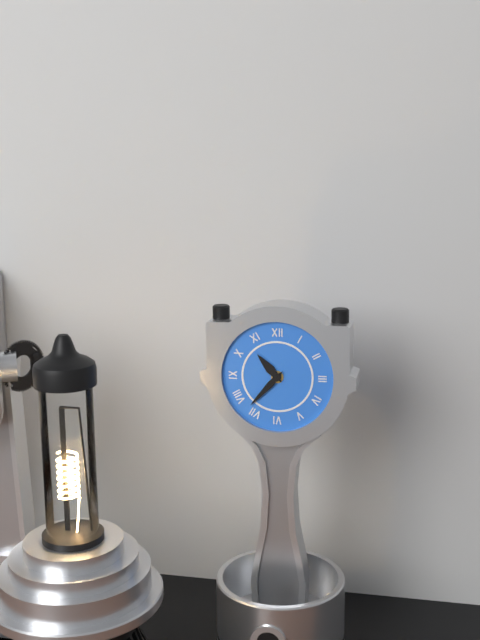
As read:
**10:37**
